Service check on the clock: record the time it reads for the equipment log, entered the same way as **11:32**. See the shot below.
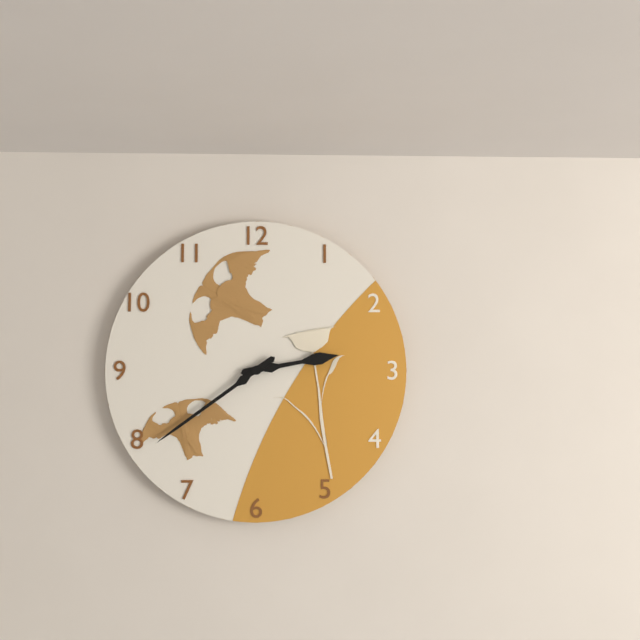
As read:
**2:39**
